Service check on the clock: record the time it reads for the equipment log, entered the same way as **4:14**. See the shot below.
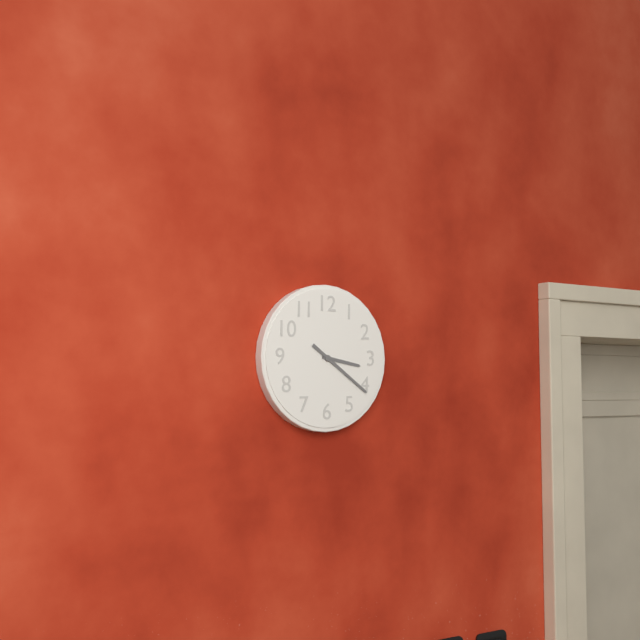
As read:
**3:21**
